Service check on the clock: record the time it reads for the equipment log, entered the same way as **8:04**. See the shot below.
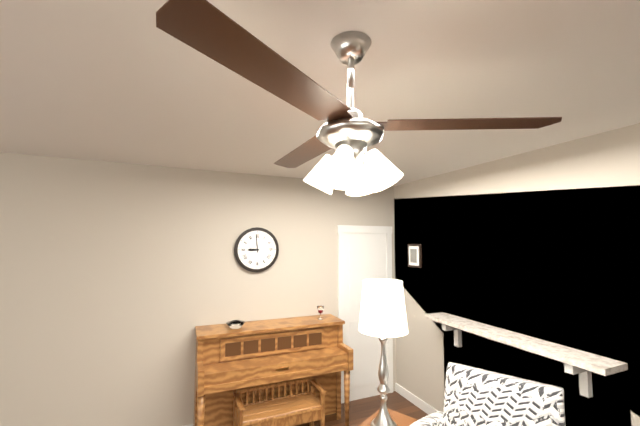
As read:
**8:59**
